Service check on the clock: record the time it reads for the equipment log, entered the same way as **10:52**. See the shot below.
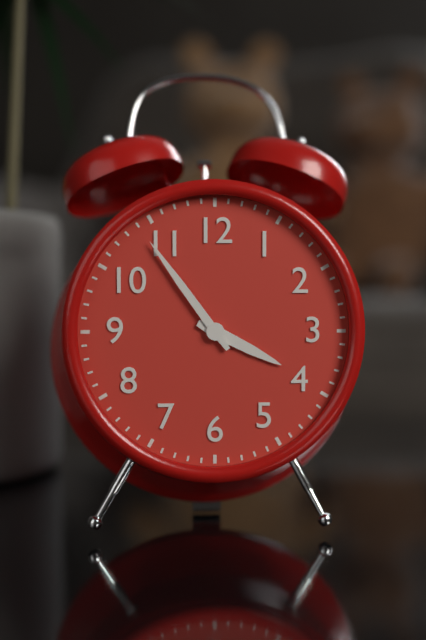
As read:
**3:54**
